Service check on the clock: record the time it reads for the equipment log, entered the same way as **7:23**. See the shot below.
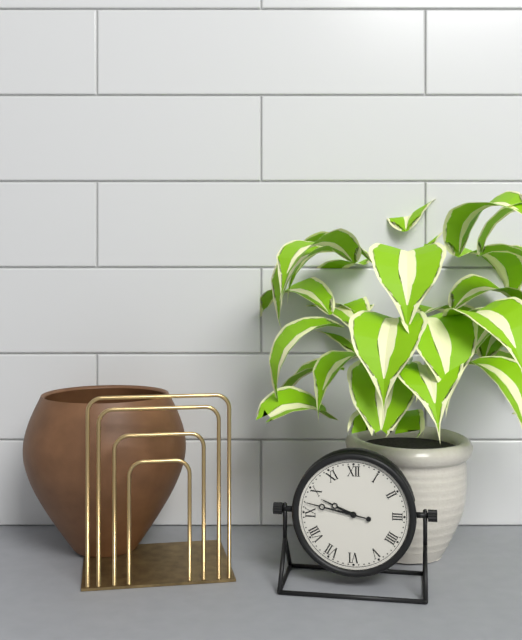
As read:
**9:47**
